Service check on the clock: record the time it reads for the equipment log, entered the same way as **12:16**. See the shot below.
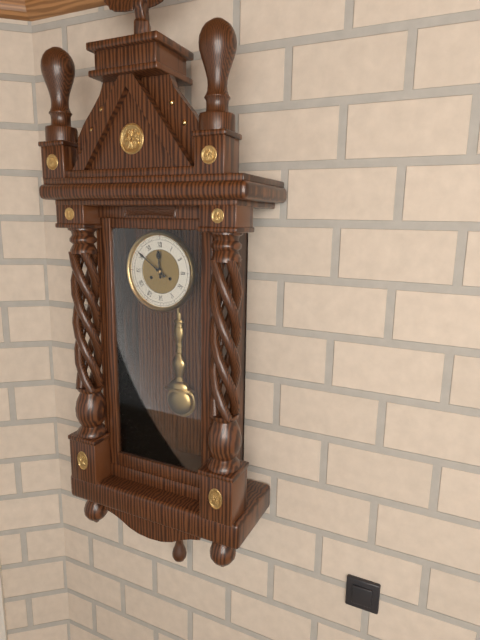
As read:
**11:51**
